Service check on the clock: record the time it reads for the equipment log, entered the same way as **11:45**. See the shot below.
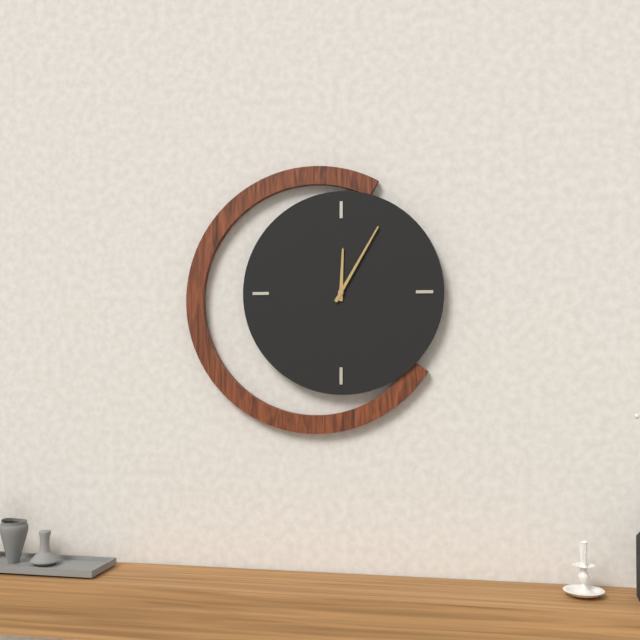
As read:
**12:05**
